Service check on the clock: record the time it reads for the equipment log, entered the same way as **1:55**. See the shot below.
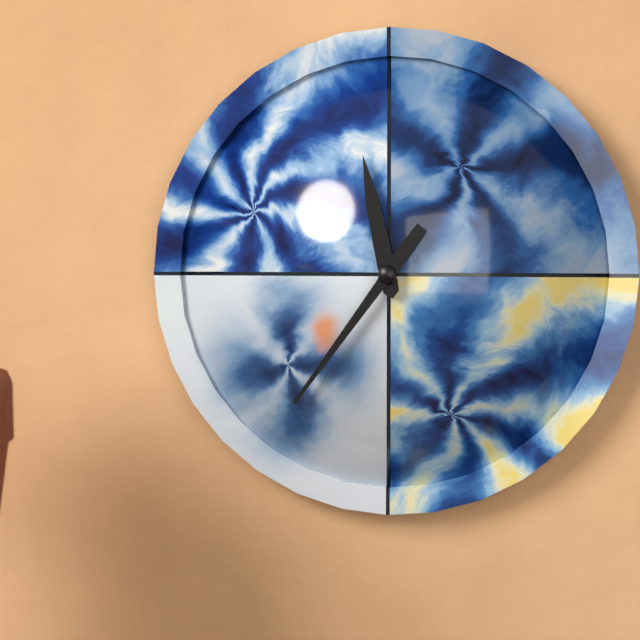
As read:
**11:36**
